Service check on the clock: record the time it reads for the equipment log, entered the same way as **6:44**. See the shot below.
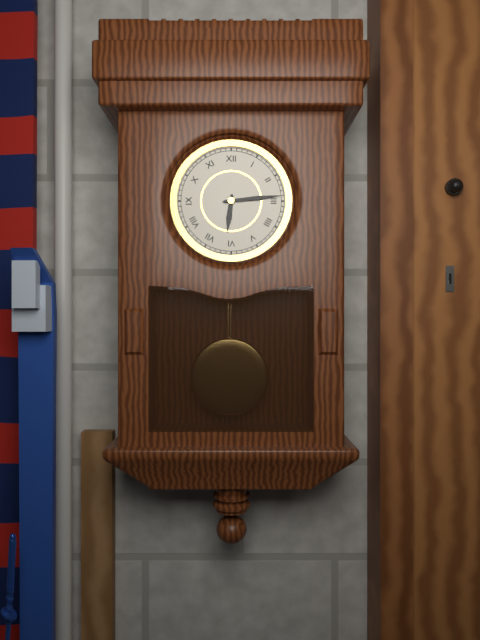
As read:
**6:14**
